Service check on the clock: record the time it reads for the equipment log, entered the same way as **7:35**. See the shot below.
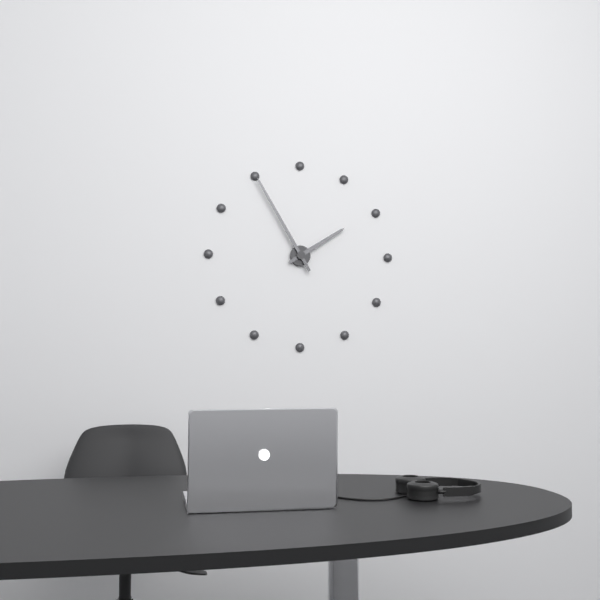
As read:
**1:55**
